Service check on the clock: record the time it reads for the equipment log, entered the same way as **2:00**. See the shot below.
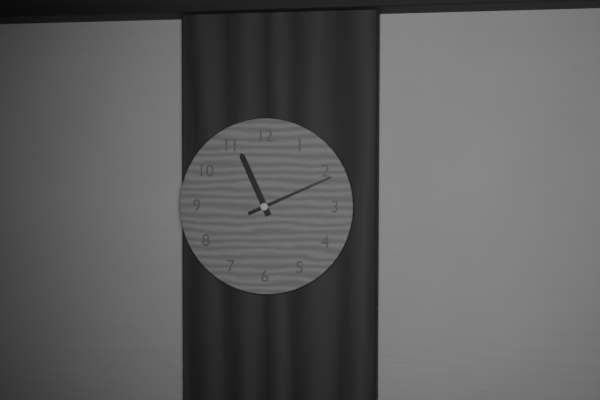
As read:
**11:11**
